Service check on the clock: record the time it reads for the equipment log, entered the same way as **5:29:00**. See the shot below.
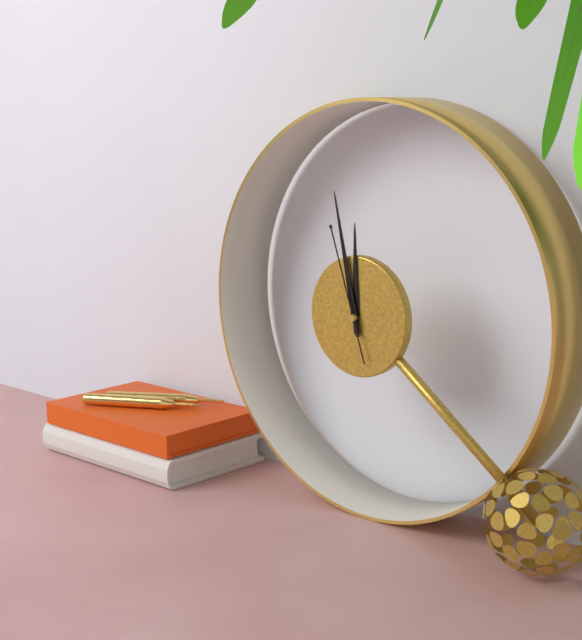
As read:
**11:58:57**
